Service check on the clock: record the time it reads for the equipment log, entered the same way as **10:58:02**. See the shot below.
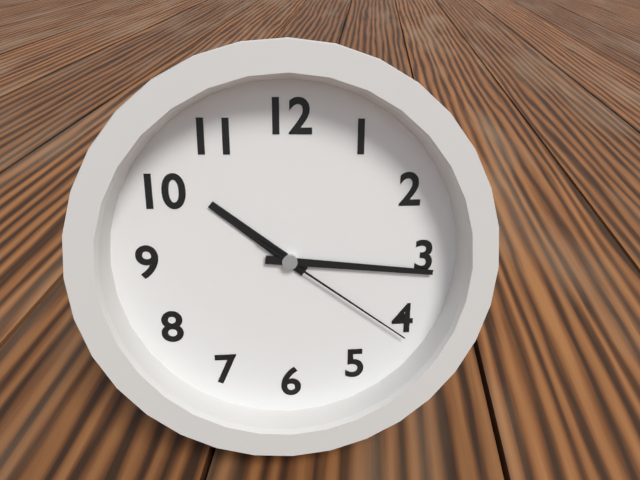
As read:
**10:16:21**
